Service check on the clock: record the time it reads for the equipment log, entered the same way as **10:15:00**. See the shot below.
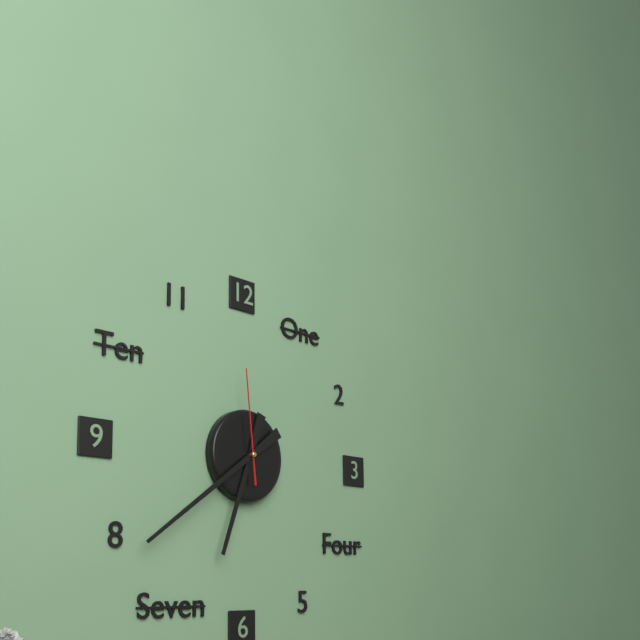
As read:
**6:39:59**
